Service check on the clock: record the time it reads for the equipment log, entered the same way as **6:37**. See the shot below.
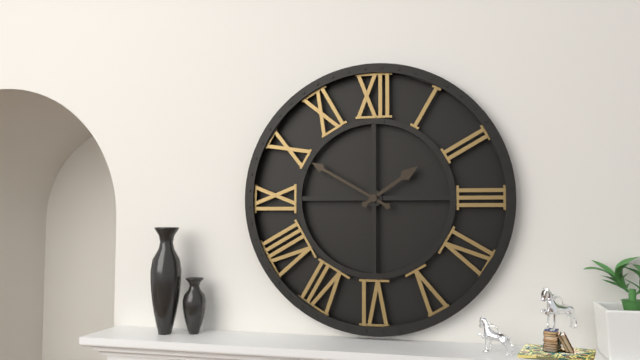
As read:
**1:50**
